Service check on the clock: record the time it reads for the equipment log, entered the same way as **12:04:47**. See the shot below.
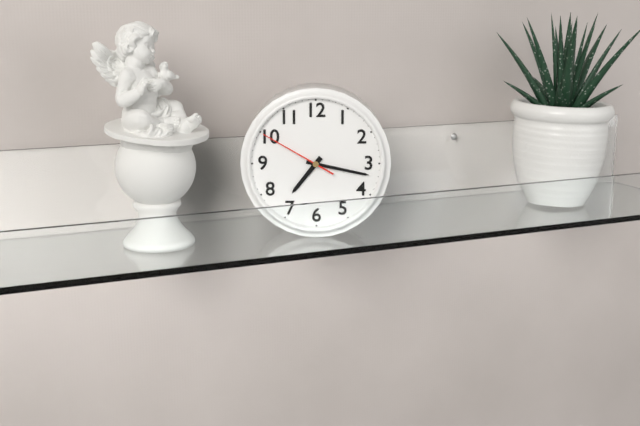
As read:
**7:17:50**
